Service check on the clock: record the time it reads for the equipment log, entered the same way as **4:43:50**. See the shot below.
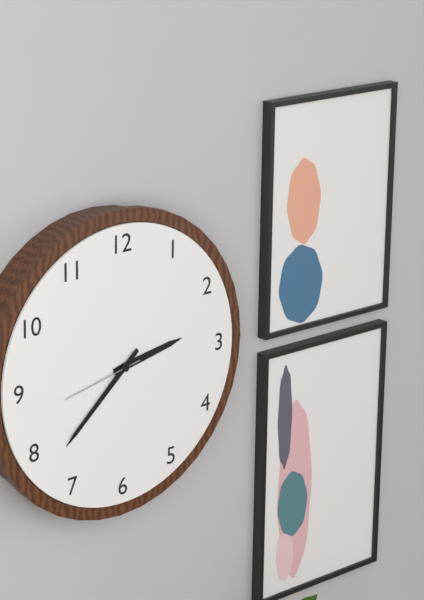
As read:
**2:38:43**
